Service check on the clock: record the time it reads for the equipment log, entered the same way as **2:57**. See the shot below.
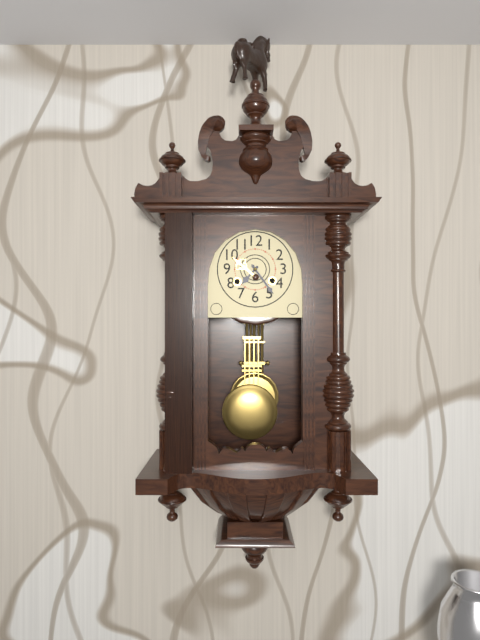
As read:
**7:24**
